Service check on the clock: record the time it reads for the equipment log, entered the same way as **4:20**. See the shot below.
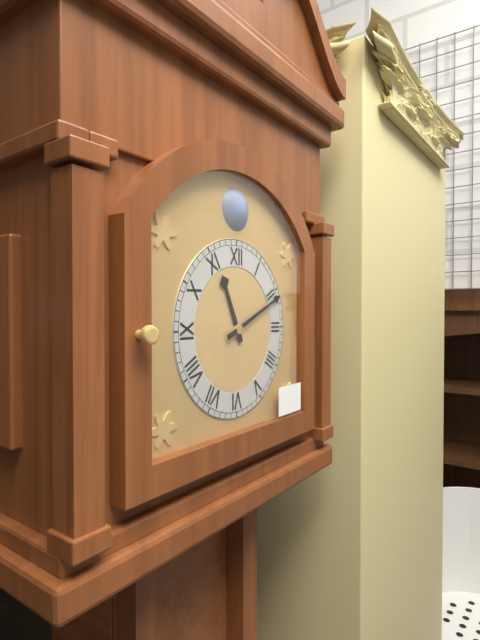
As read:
**11:11**
